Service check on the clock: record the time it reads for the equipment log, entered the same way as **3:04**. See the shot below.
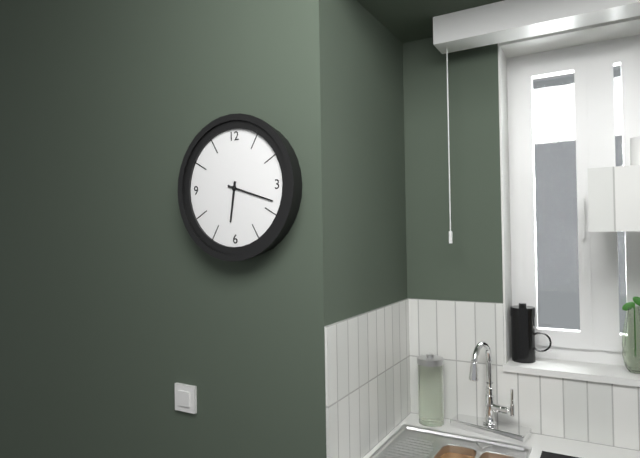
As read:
**6:18**
